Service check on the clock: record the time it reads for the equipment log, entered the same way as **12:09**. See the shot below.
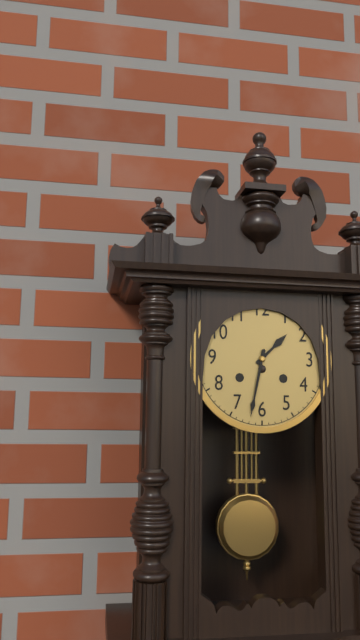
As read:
**1:32**
